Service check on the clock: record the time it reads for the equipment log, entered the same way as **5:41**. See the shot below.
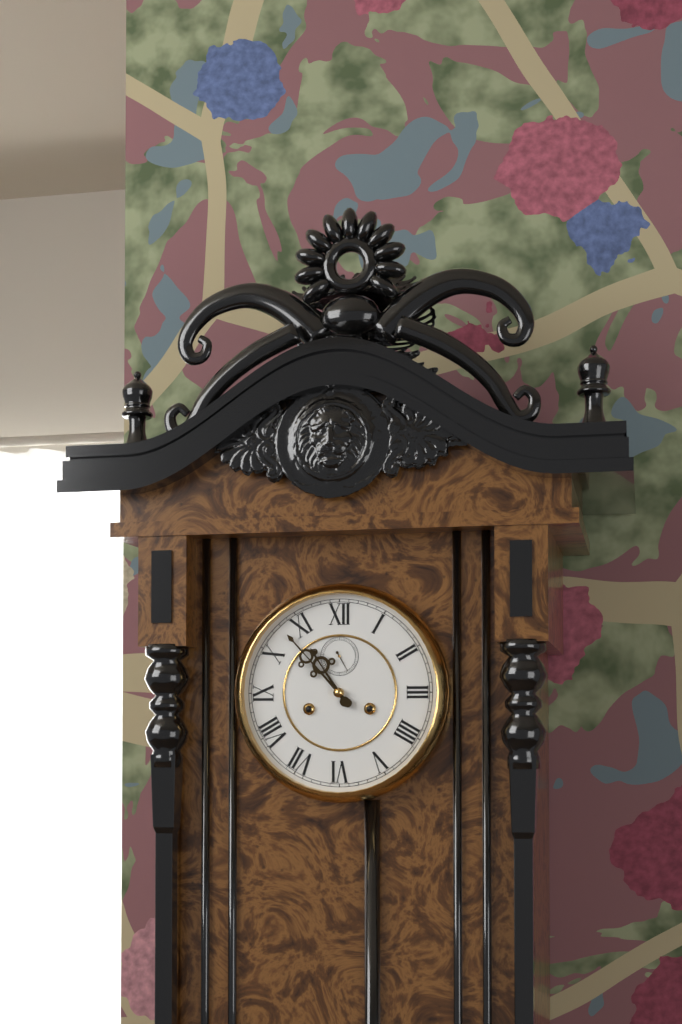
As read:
**10:53**
